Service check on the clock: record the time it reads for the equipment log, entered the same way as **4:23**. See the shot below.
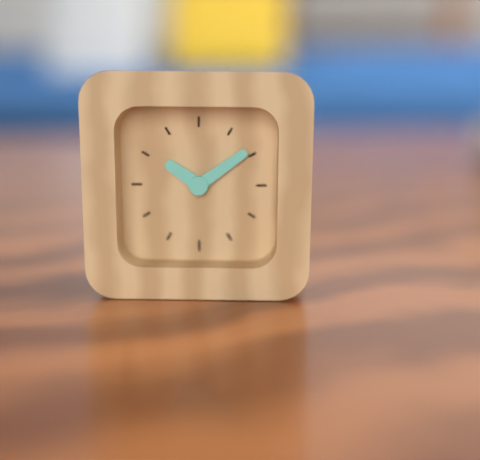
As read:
**10:09**
